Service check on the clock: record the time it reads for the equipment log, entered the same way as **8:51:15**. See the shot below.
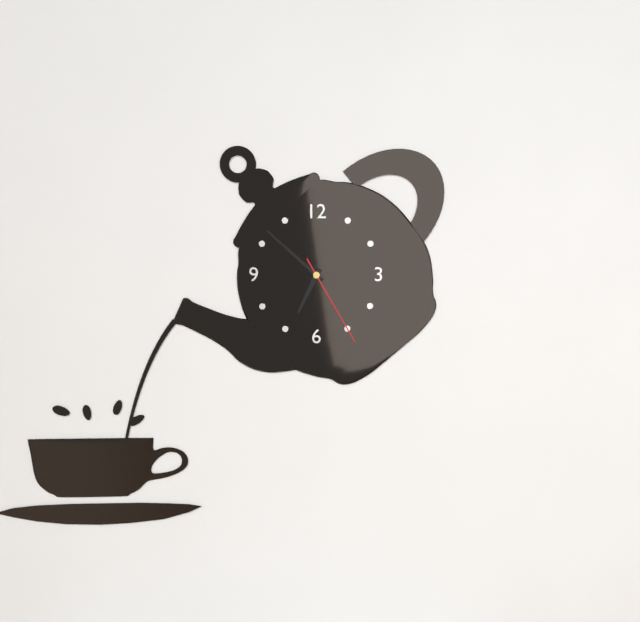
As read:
**6:52:25**
